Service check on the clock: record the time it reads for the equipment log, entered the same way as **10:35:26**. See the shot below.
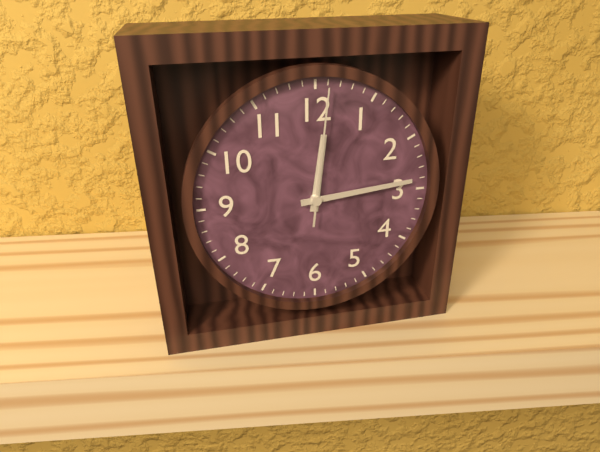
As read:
**12:14:01**
